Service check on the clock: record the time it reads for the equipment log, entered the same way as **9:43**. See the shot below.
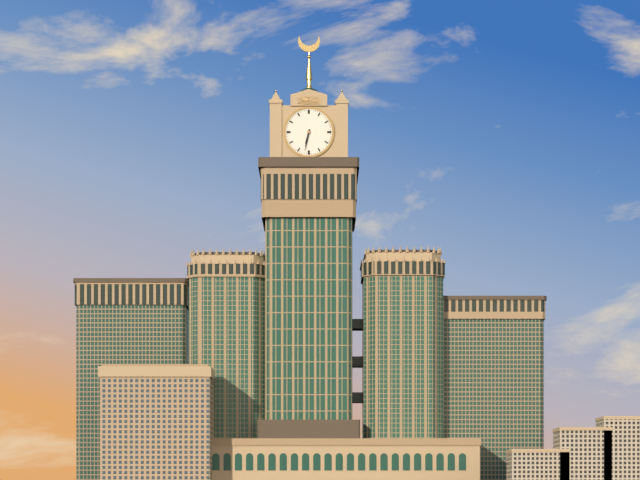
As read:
**6:32**
